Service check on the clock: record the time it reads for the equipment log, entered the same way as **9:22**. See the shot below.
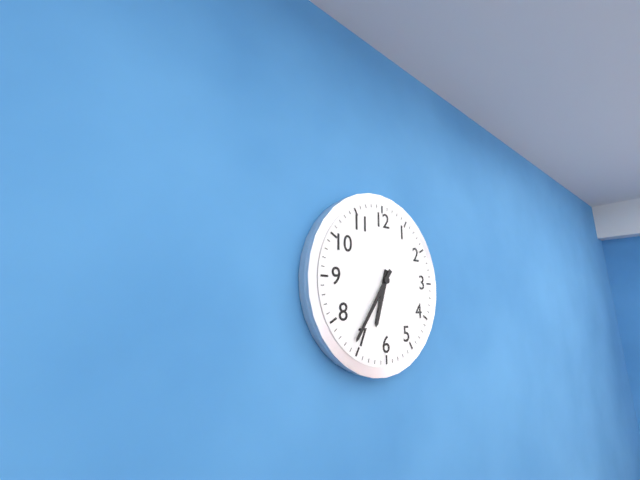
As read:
**6:36**
